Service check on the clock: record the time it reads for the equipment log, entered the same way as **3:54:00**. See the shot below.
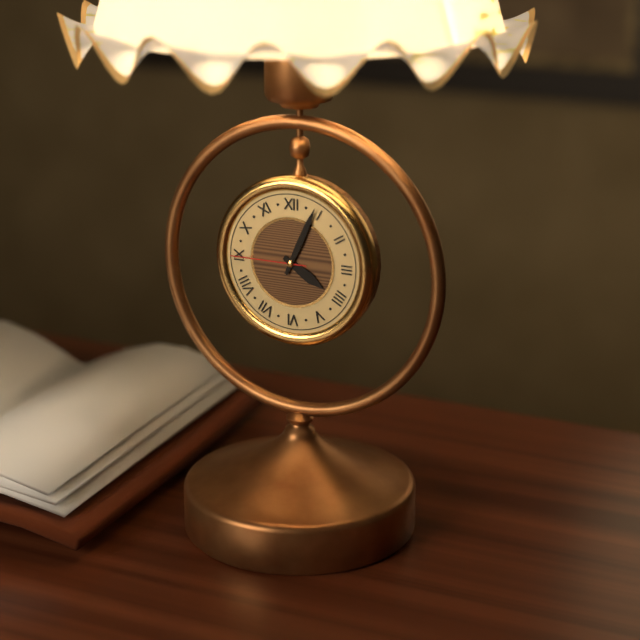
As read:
**4:04:45**
